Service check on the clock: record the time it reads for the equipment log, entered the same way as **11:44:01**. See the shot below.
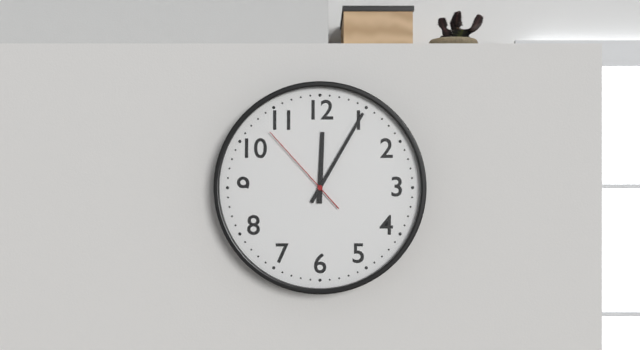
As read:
**12:05:53**
